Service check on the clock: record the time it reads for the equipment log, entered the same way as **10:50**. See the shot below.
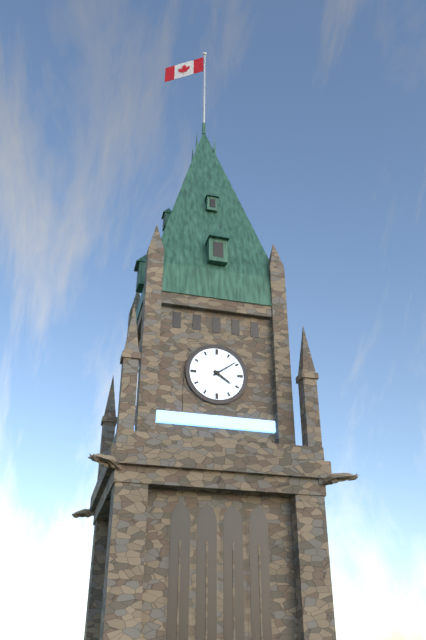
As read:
**4:09**
